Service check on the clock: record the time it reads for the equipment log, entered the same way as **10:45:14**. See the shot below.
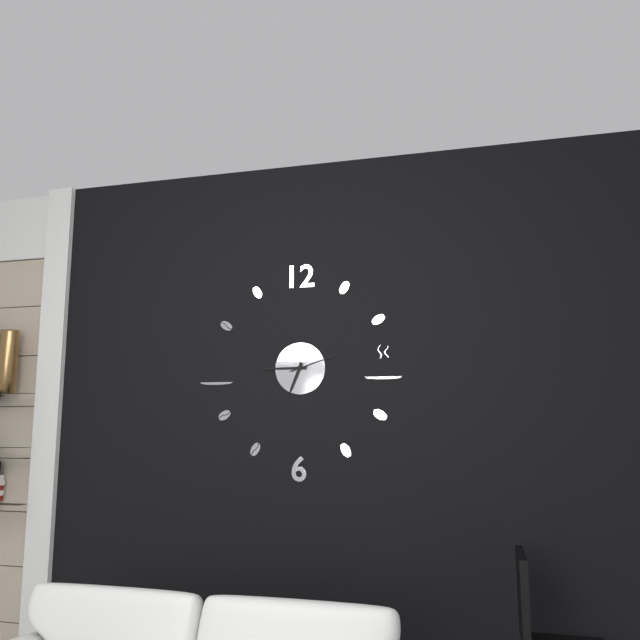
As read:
**6:45:12**
